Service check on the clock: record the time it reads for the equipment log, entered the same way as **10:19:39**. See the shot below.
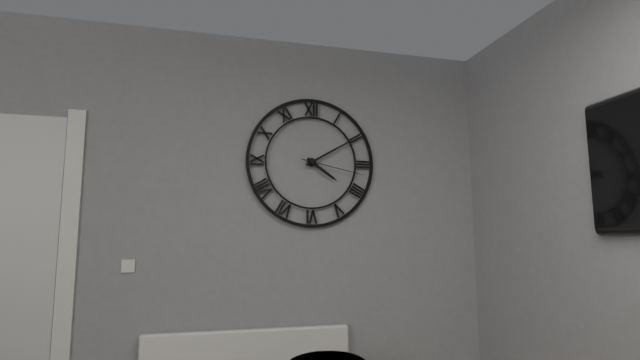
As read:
**4:10:17**
